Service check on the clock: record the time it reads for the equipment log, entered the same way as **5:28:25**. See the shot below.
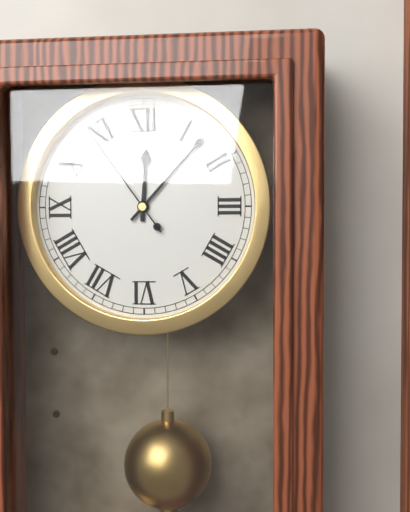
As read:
**12:07:54**
